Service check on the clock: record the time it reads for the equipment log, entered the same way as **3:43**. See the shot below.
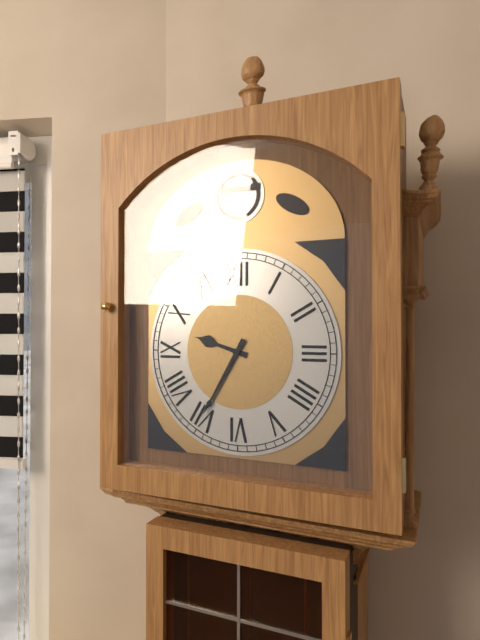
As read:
**9:35**
